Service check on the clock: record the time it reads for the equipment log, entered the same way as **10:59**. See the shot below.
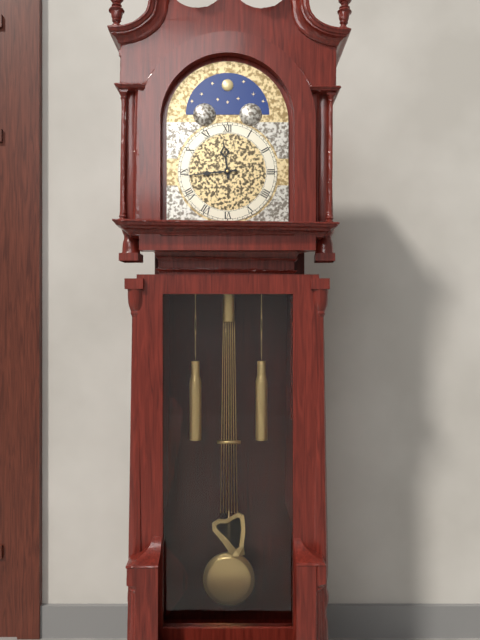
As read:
**11:44**
